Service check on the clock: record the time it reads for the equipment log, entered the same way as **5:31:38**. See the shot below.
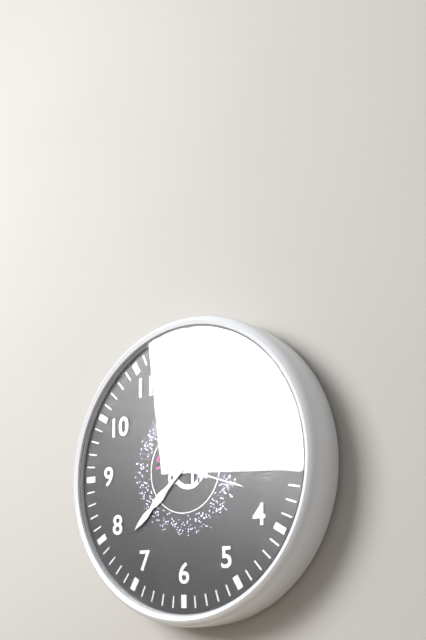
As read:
**7:38:18**
